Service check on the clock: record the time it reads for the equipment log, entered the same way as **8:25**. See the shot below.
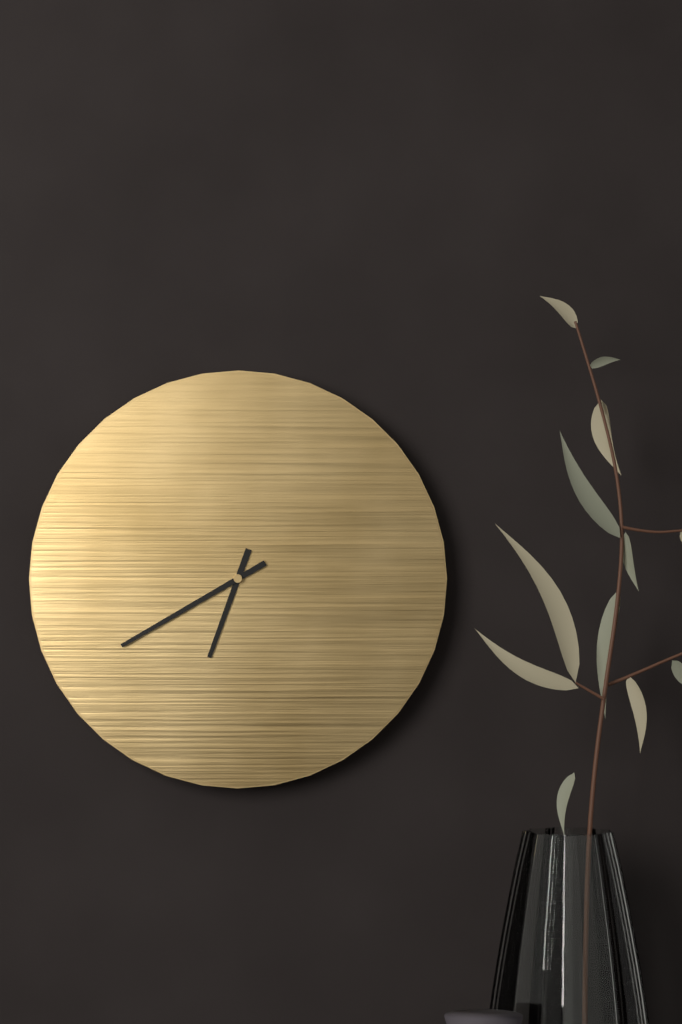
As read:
**6:40**
